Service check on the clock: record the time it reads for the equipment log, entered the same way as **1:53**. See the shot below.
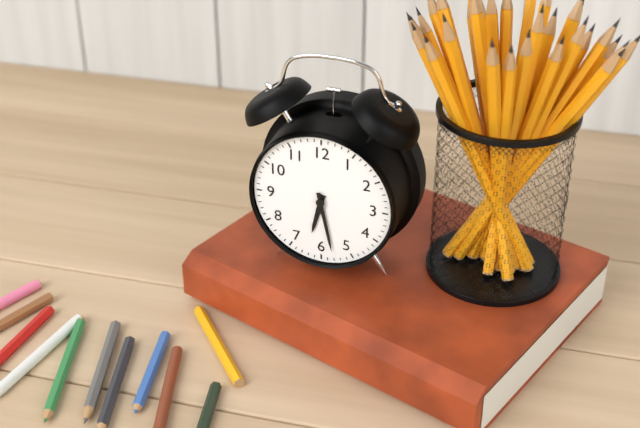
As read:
**6:28**
